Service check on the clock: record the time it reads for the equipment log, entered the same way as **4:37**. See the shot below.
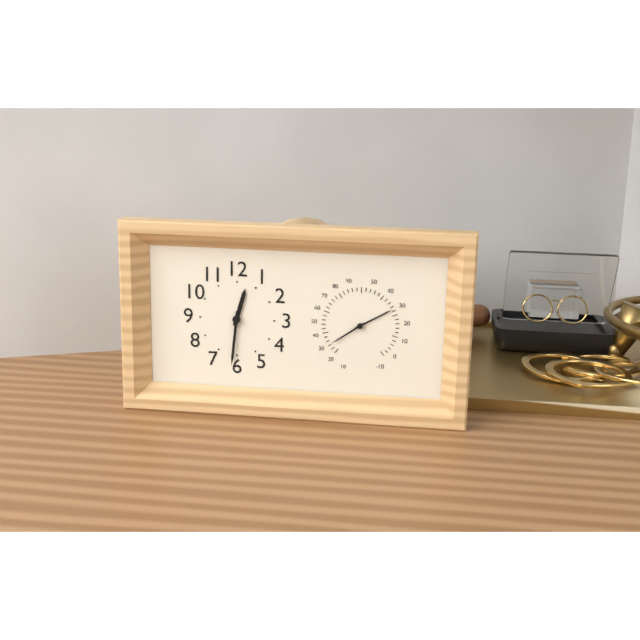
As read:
**12:31**
